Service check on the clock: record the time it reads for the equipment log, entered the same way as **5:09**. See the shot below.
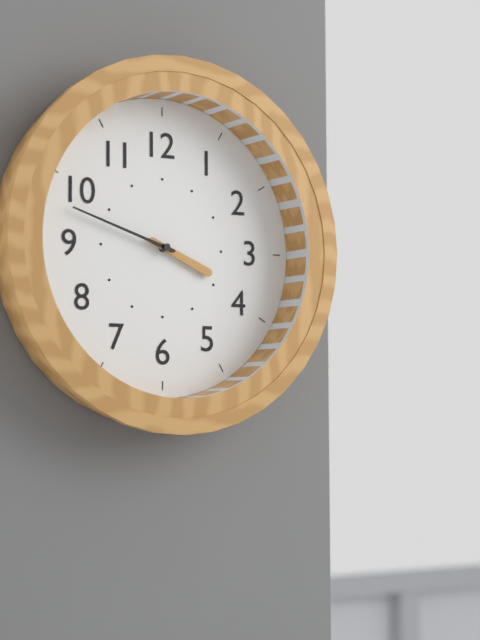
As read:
**3:48**
